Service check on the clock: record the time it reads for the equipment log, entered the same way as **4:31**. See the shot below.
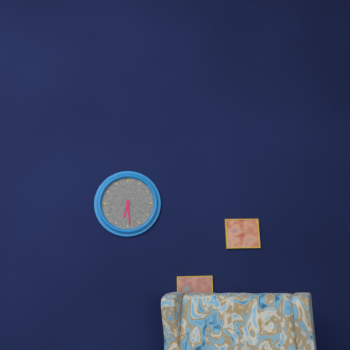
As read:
**6:29**
